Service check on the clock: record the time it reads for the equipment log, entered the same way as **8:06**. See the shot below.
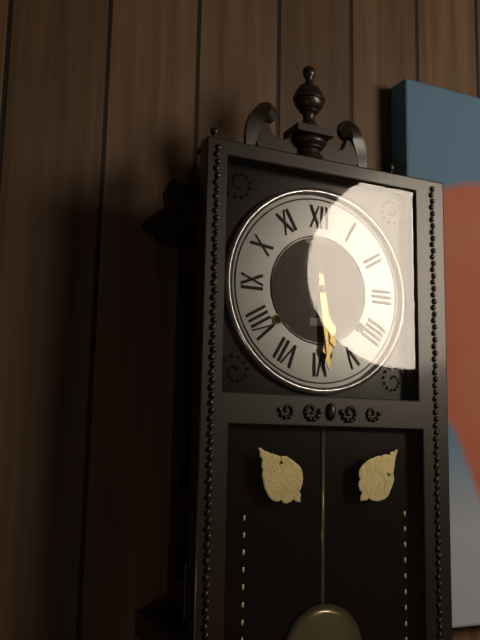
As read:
**5:29**
